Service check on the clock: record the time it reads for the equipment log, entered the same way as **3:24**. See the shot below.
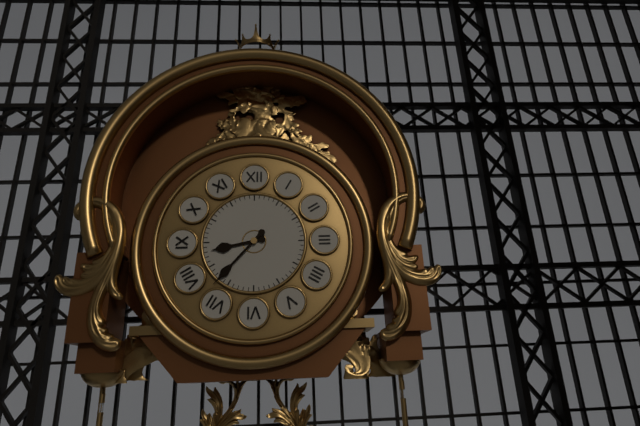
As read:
**8:37**
